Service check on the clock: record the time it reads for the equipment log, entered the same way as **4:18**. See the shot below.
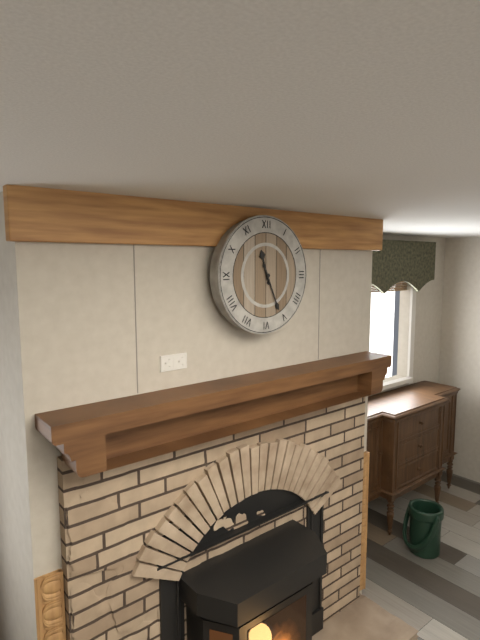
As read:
**11:26**
